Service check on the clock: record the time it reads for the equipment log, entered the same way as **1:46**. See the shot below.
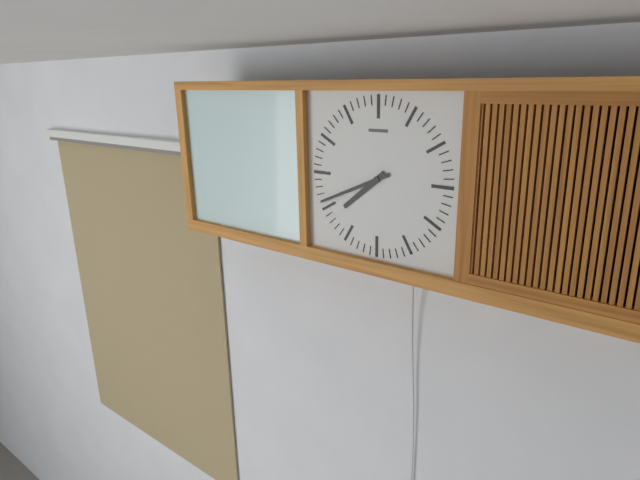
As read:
**7:41**
